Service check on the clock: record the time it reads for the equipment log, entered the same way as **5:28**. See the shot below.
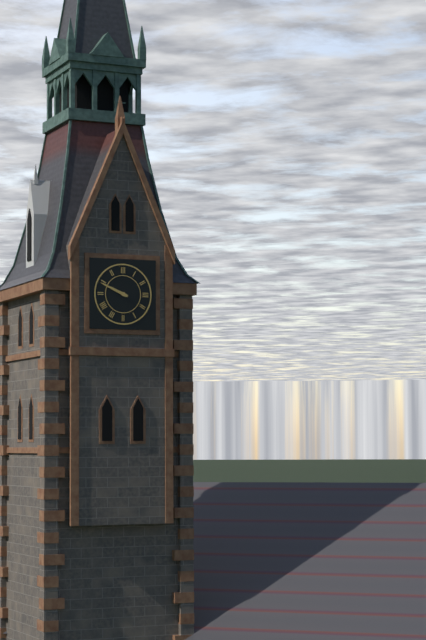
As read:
**9:49**
